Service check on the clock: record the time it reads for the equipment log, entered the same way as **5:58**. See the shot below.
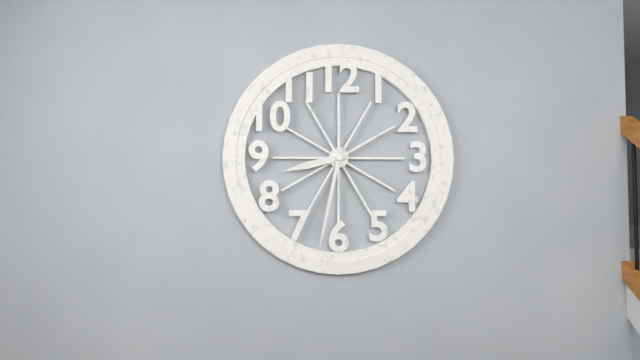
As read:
**8:32**
